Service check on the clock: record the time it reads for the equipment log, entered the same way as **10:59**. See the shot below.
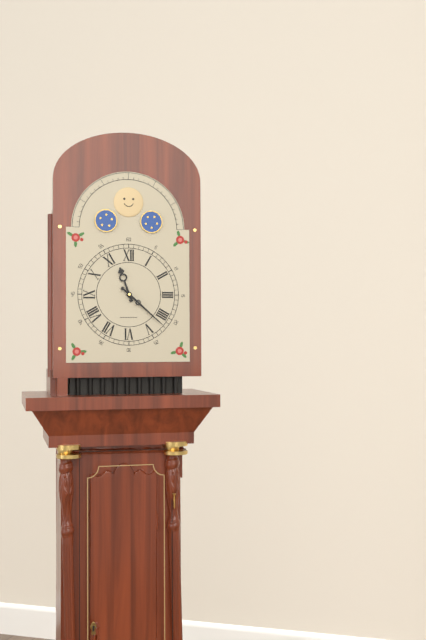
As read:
**11:22**
